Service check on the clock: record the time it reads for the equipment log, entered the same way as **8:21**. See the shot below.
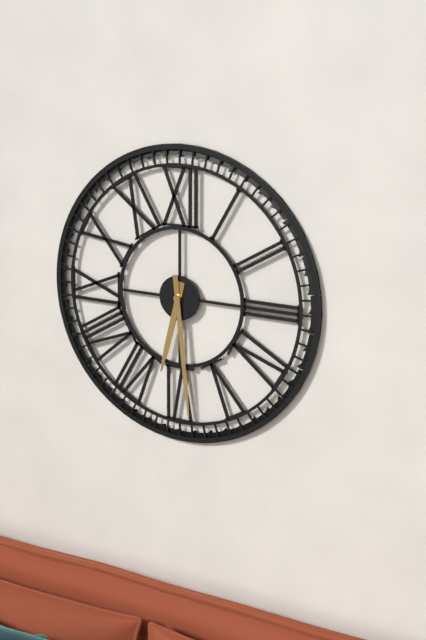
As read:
**6:29**
